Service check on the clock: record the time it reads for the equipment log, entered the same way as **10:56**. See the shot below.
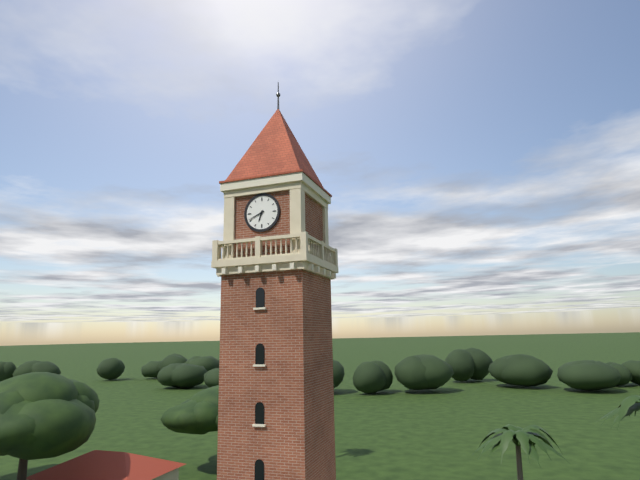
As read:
**6:41**
